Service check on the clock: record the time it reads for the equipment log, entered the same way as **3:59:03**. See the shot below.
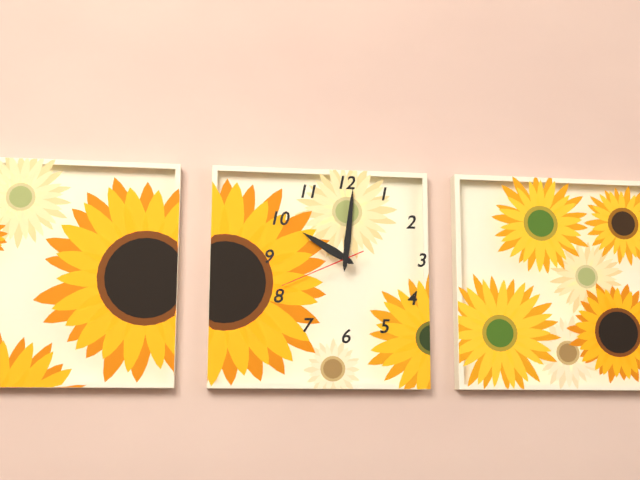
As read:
**10:01:41**
